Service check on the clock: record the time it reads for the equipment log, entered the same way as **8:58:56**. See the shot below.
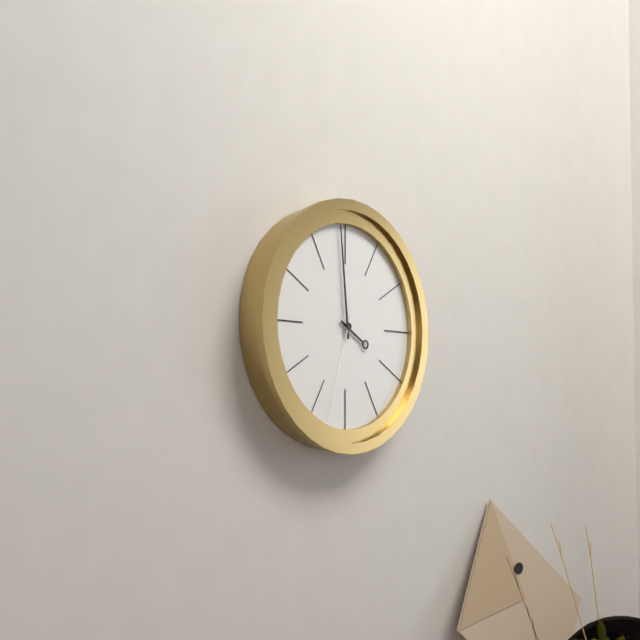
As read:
**3:59:33**
